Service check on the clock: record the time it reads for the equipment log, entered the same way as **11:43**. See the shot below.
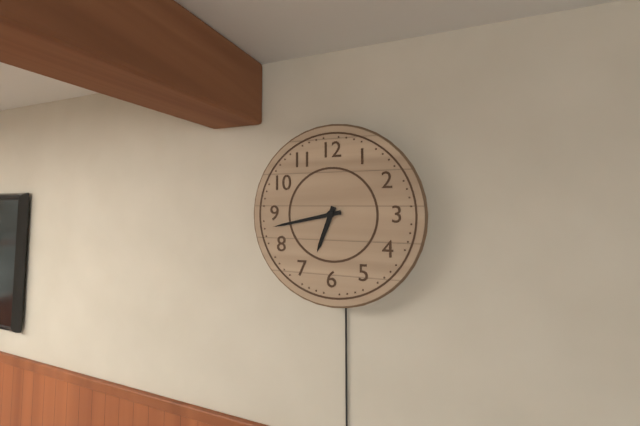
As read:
**6:43**
